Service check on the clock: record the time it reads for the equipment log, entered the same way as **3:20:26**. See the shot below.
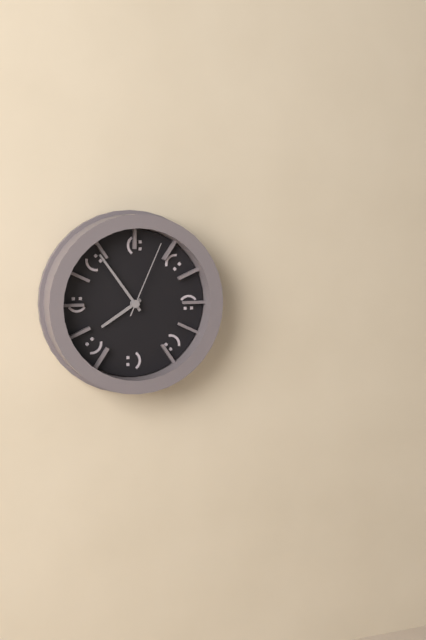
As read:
**7:54:04**
